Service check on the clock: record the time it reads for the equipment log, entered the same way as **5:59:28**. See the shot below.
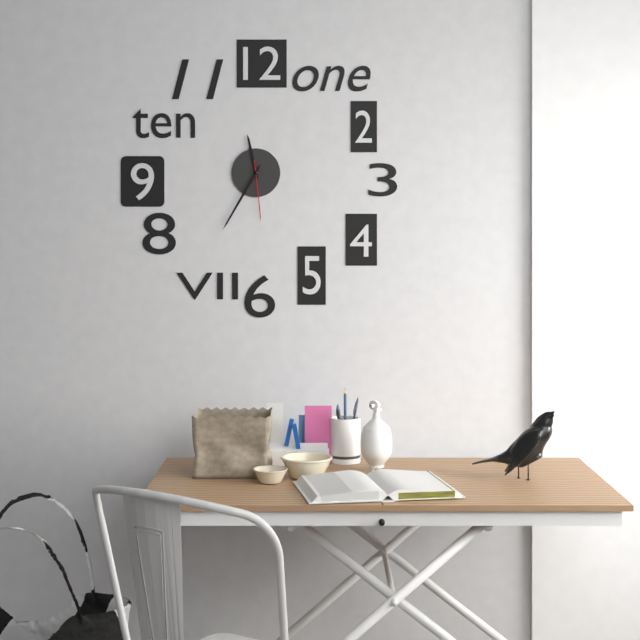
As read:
**11:35:29**
